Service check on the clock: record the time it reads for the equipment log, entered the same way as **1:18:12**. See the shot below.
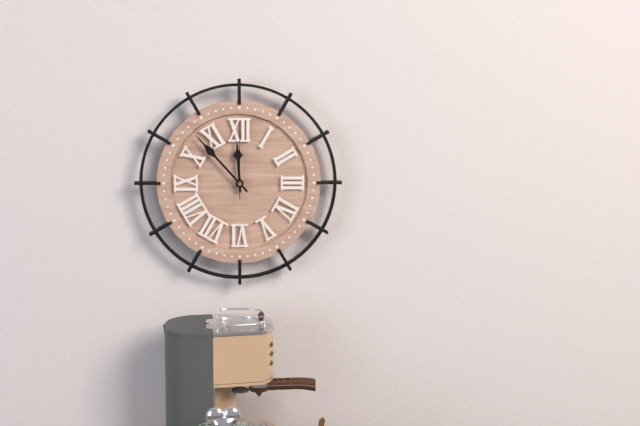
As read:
**11:53:00**
